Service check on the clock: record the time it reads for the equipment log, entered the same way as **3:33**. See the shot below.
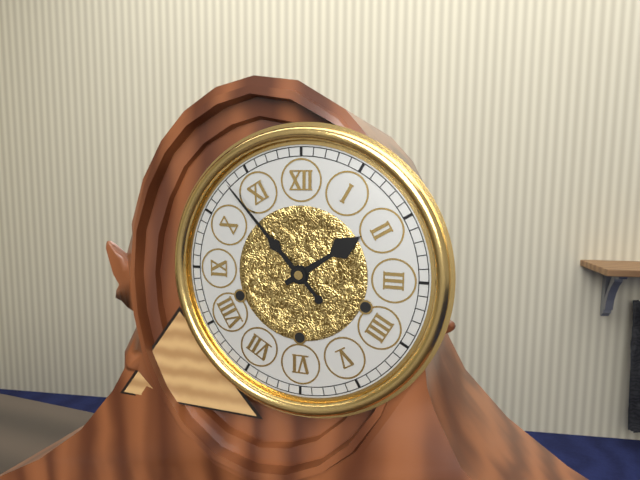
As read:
**1:53**
